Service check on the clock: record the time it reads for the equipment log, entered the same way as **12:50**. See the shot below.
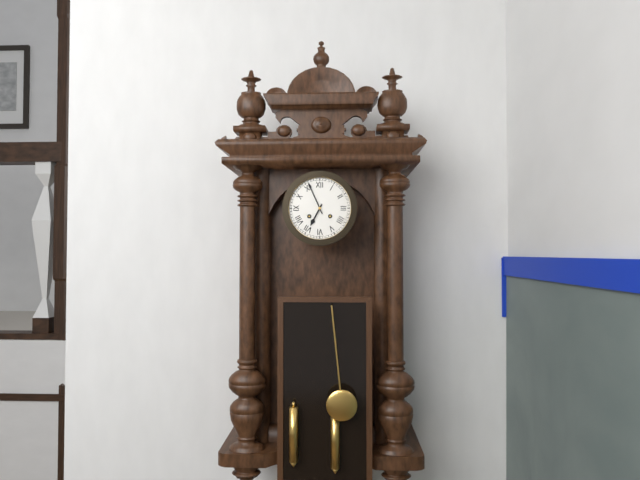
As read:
**6:56**
